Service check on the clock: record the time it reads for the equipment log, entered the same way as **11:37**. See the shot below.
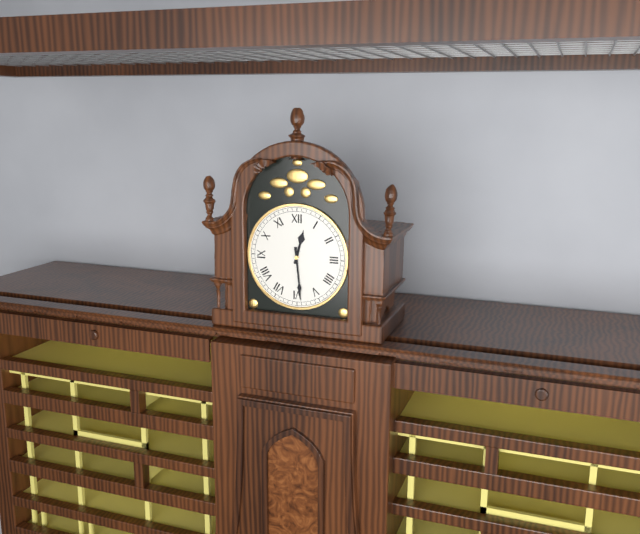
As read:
**12:29**
